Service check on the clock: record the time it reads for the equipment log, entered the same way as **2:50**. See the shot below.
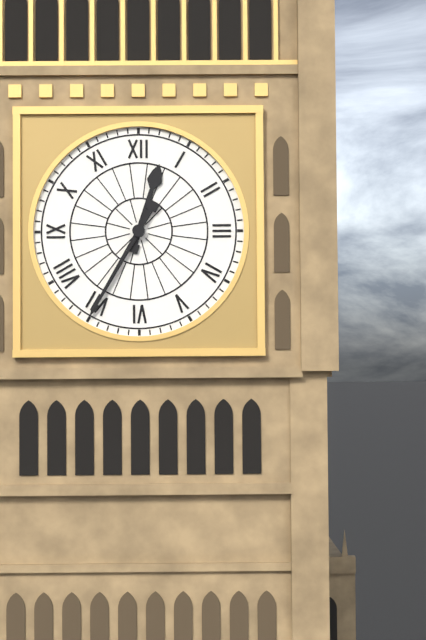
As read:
**12:35**
